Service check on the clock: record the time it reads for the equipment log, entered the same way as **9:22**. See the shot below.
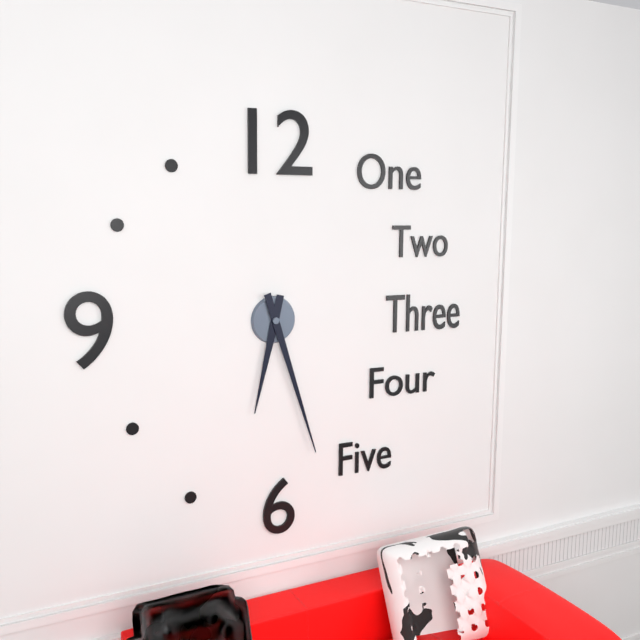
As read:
**6:27**
